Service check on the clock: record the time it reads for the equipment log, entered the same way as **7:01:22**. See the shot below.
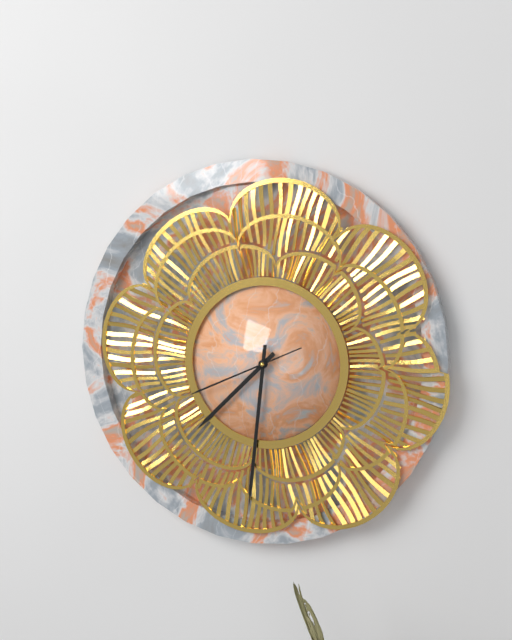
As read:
**7:31:41**
